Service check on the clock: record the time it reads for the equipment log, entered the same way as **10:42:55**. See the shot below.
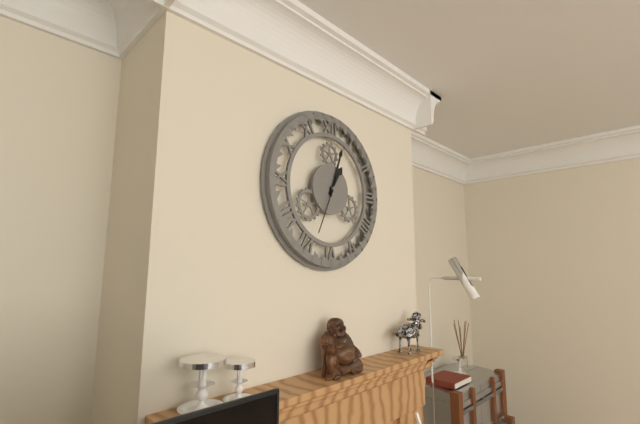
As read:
**1:03:34**
